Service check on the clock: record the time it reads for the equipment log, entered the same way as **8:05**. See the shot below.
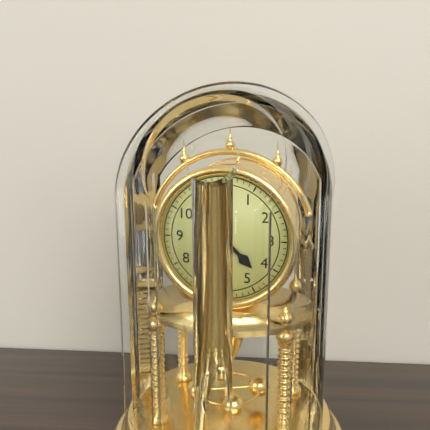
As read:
**4:30**
